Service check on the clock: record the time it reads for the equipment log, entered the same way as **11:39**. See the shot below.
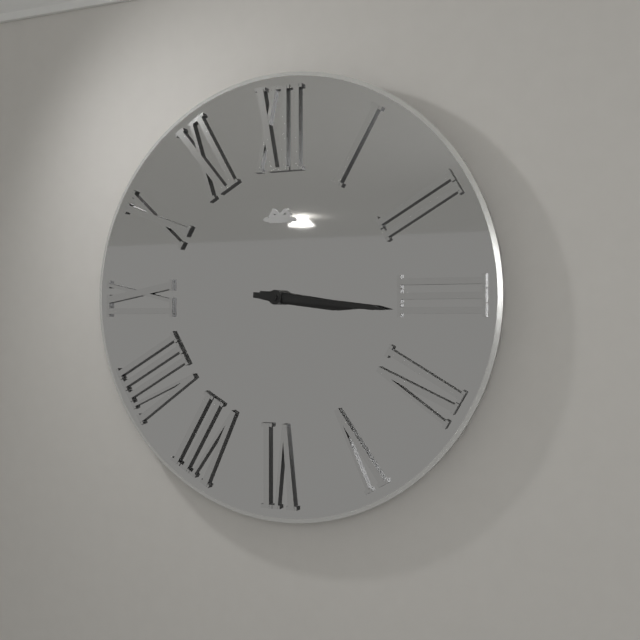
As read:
**3:16**
